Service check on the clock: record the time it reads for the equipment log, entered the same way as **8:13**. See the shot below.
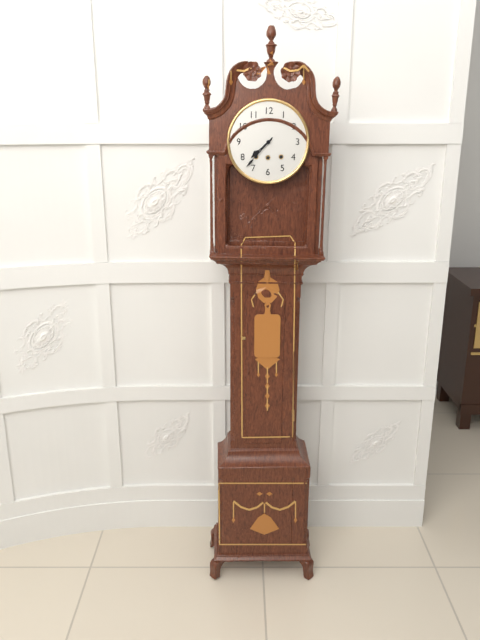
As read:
**7:37**
